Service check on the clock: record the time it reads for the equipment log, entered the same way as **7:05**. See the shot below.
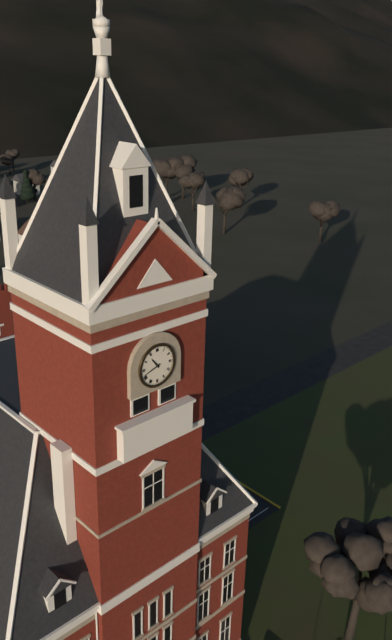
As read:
**10:42**
